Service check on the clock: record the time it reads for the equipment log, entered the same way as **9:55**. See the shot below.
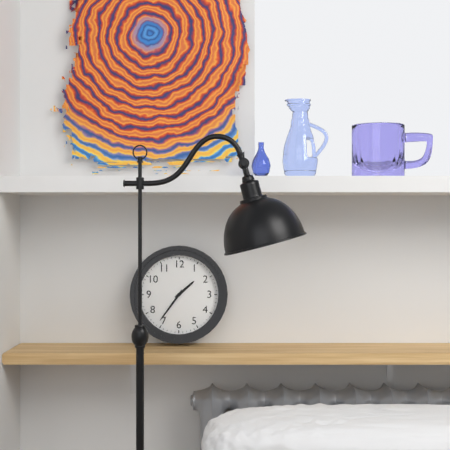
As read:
**1:36**
